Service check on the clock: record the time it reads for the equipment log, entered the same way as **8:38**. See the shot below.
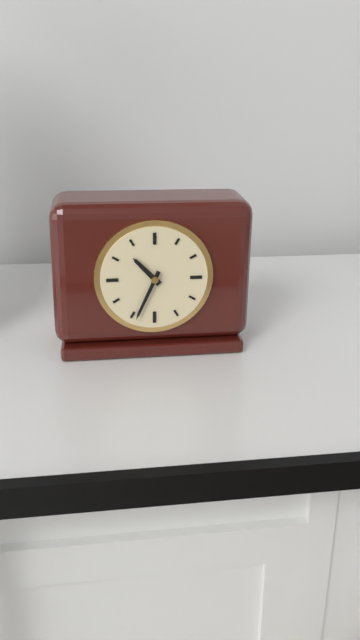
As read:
**10:34**
